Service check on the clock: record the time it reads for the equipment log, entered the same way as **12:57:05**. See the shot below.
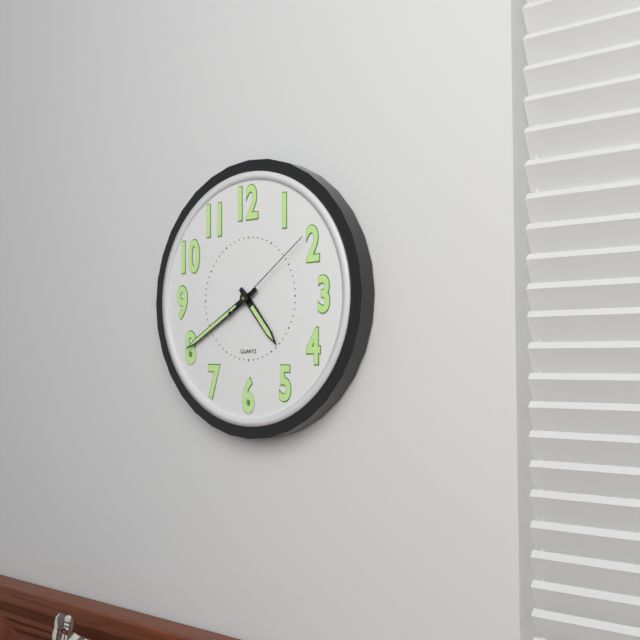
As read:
**4:40:09**
